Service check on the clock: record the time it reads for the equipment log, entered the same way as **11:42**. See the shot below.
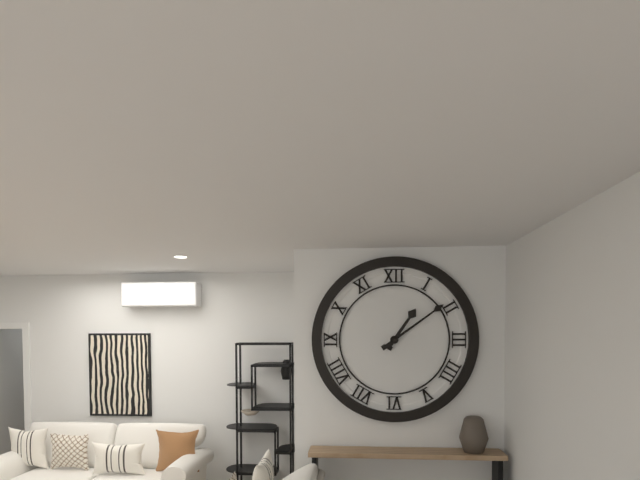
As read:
**1:09**
